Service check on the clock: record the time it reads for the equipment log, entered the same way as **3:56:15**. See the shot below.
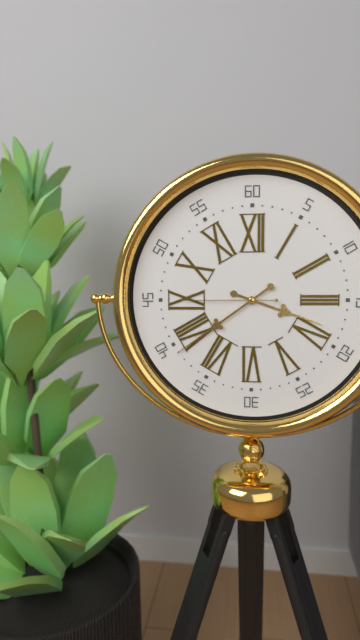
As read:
**3:39:45**
